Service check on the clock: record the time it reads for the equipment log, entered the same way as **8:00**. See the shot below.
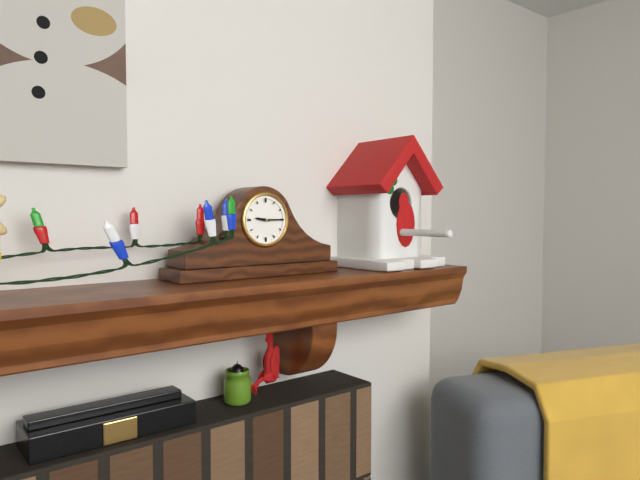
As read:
**9:15**
